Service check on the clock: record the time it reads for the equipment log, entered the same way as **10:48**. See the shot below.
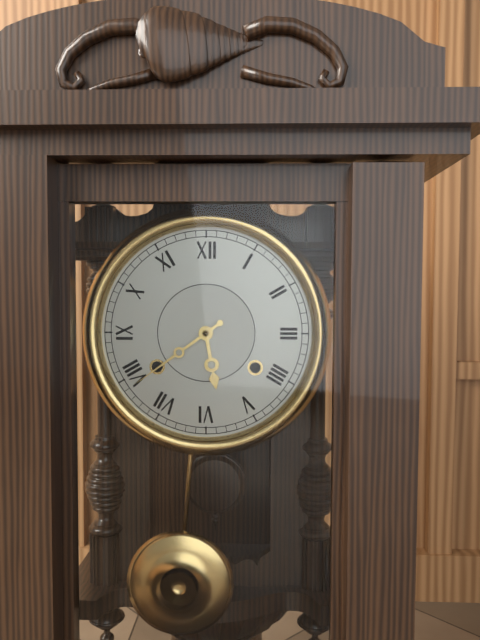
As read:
**5:39**
